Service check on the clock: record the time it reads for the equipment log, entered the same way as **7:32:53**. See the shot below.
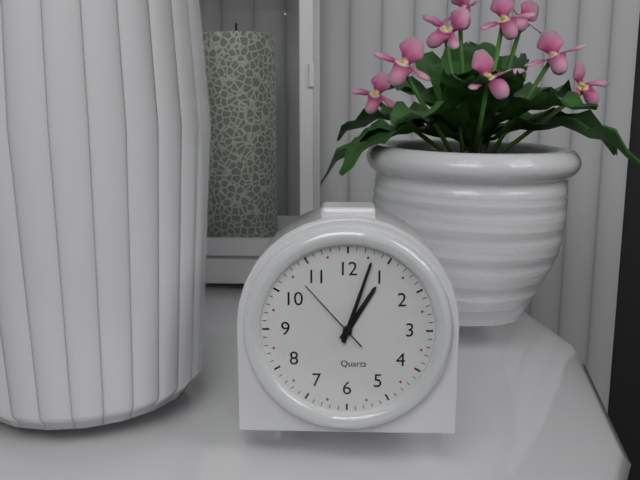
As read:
**1:03:53**
